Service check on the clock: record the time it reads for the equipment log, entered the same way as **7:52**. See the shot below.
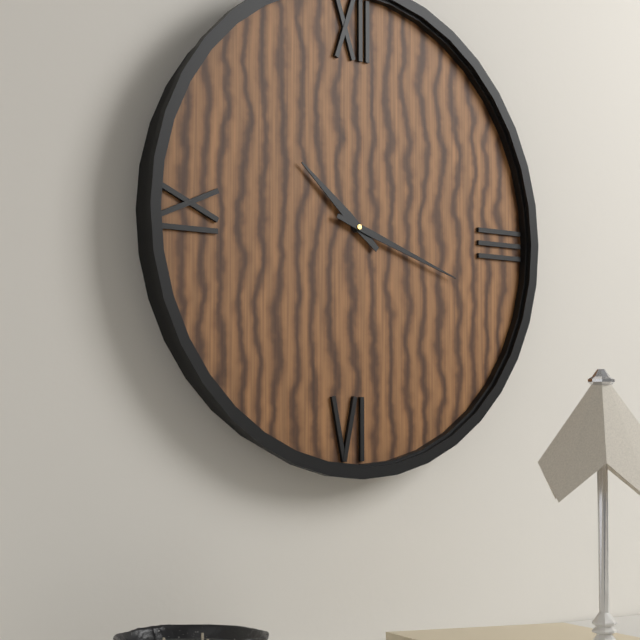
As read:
**10:18**
